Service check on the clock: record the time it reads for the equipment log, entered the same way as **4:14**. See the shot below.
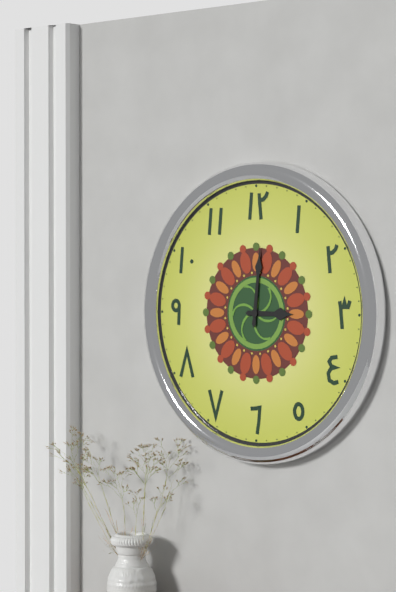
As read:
**3:01**
